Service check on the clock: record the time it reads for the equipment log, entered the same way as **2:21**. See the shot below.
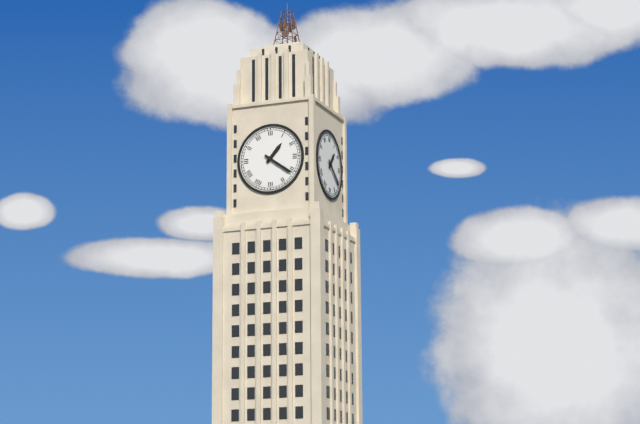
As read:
**1:21**
